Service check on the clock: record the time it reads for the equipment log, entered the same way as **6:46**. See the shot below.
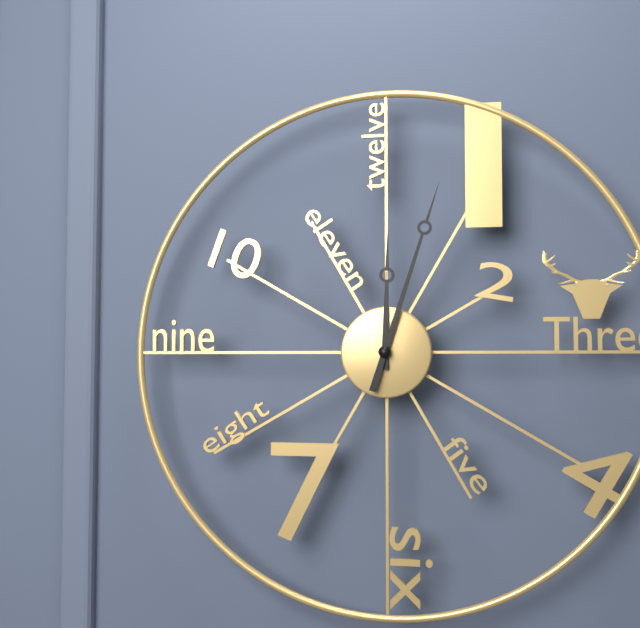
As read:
**12:03**
